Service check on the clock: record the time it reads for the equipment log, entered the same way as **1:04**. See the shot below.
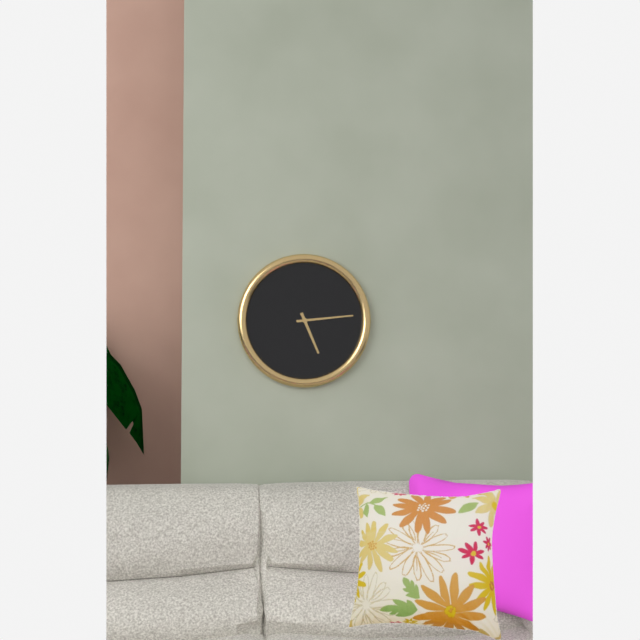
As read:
**5:14**
